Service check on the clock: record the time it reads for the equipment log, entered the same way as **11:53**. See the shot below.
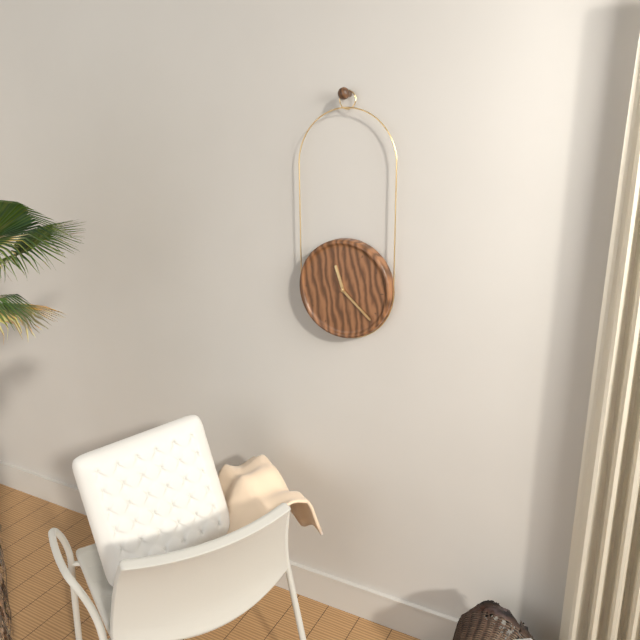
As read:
**11:22**
